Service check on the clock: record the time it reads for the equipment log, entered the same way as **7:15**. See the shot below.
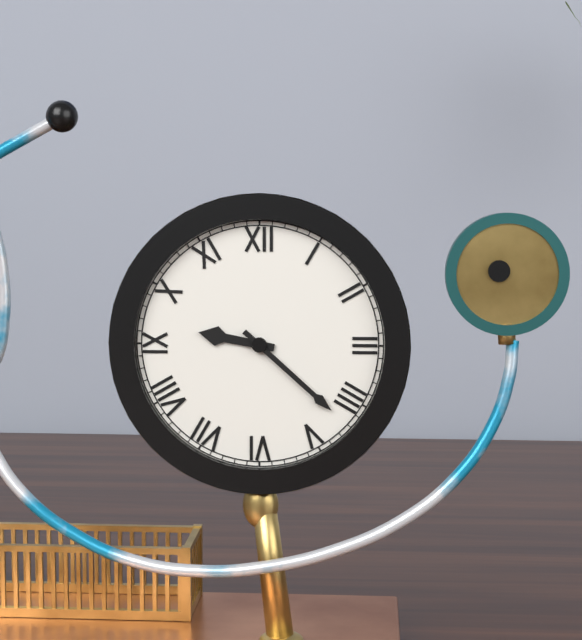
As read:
**9:22**
